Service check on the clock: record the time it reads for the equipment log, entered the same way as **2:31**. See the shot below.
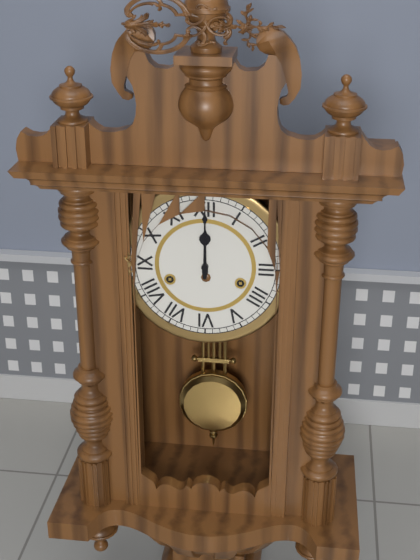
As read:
**12:00**
